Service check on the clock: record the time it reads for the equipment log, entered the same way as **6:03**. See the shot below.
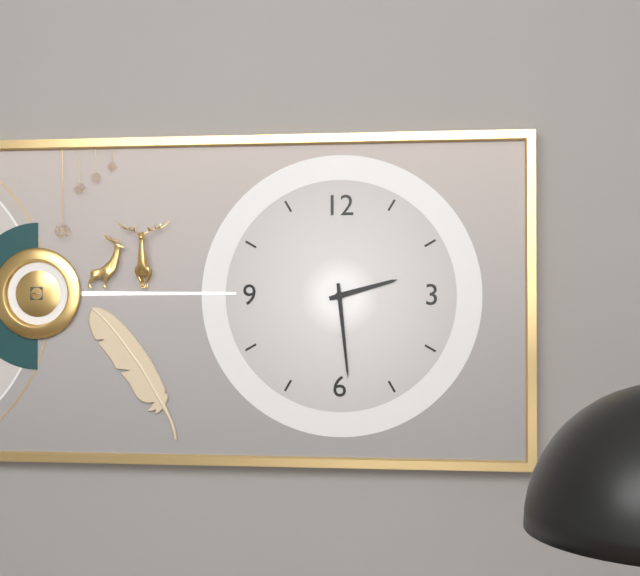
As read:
**2:29**
